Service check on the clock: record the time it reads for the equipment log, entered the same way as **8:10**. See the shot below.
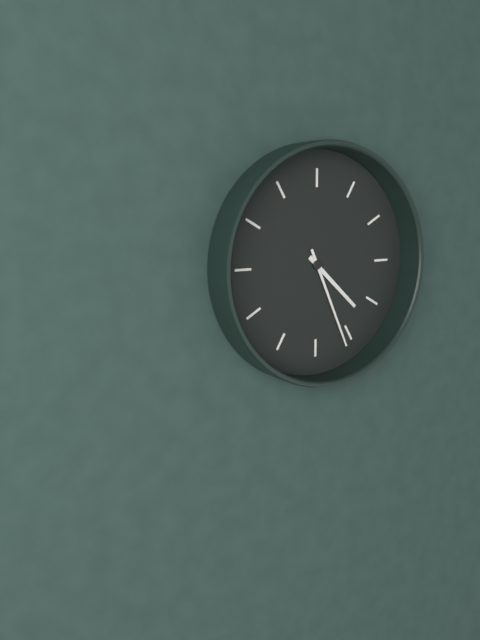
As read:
**4:26**
